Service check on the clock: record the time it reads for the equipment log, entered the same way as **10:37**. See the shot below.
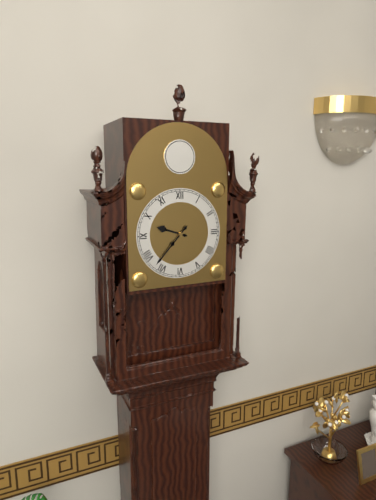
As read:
**9:37**
